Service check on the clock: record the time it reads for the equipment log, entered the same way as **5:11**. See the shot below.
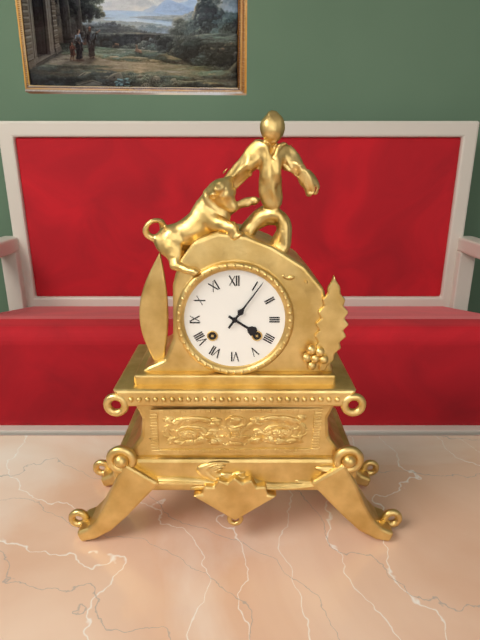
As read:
**4:06**
